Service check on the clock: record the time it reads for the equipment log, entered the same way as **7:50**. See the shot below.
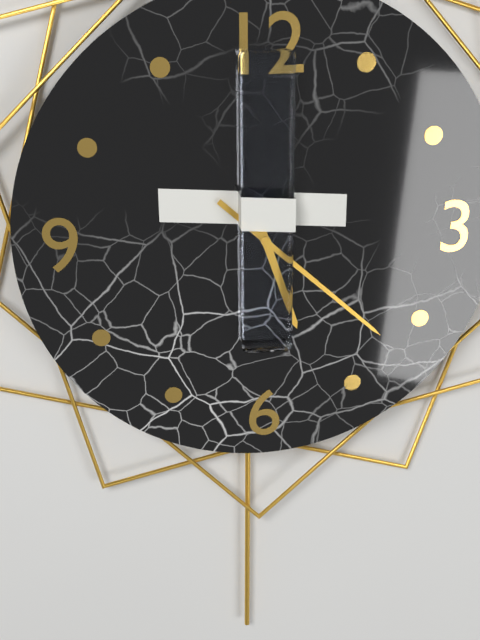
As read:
**5:22**
